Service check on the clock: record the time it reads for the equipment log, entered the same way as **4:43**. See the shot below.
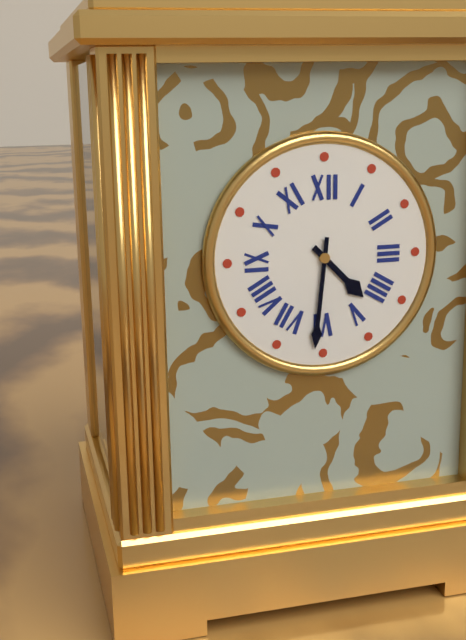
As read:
**4:31**
